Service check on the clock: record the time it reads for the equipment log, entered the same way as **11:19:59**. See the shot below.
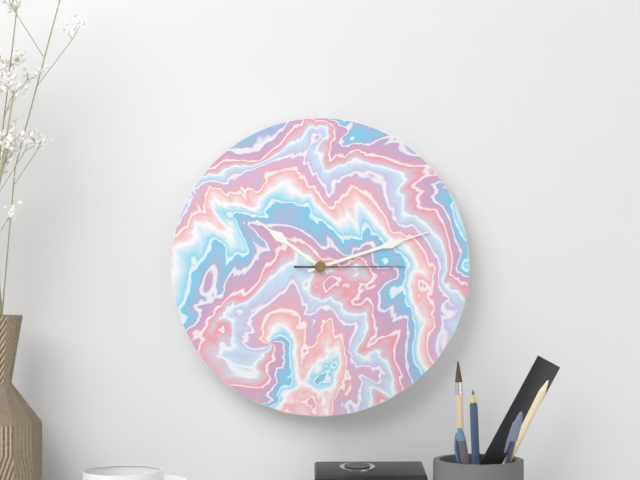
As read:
**10:12:15**
